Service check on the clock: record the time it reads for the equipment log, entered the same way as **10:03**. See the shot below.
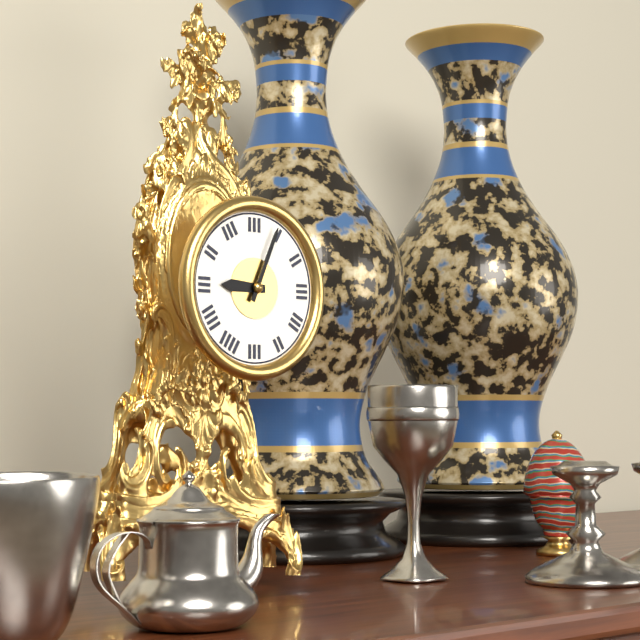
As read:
**9:04**
